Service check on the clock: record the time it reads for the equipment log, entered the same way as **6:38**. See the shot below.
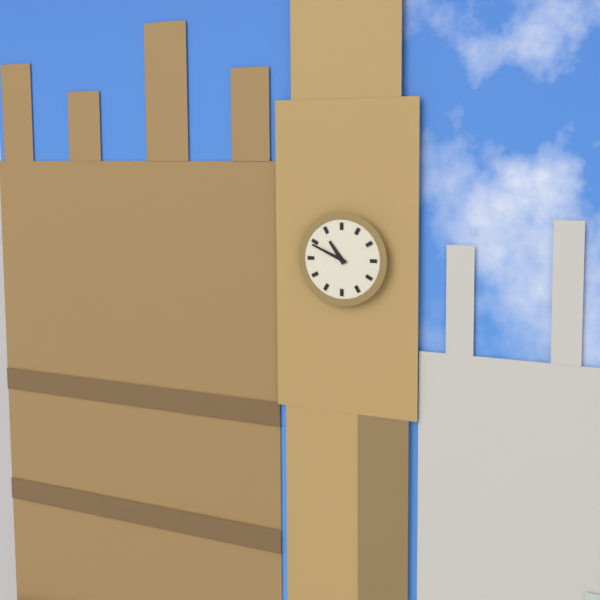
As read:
**10:49**
